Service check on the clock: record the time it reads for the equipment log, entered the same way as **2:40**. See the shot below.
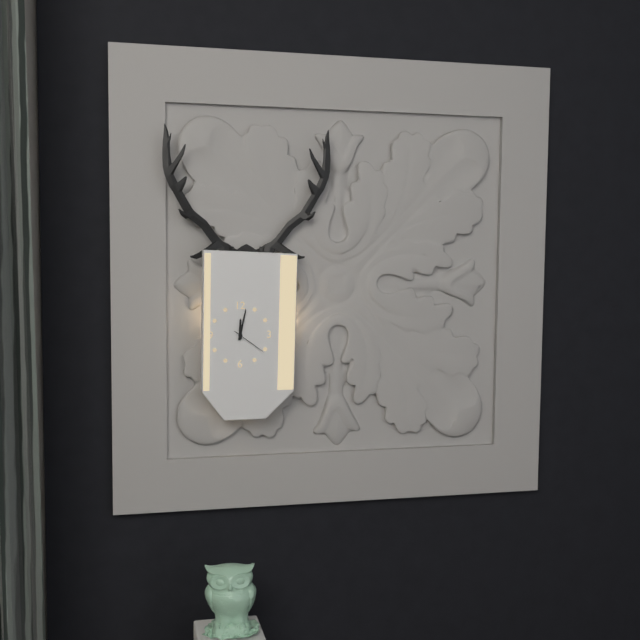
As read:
**12:02**
